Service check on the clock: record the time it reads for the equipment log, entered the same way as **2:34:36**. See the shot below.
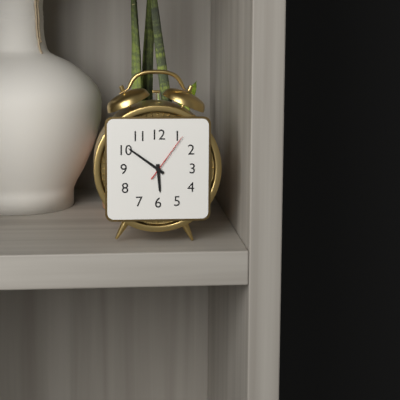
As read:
**5:51:06**
